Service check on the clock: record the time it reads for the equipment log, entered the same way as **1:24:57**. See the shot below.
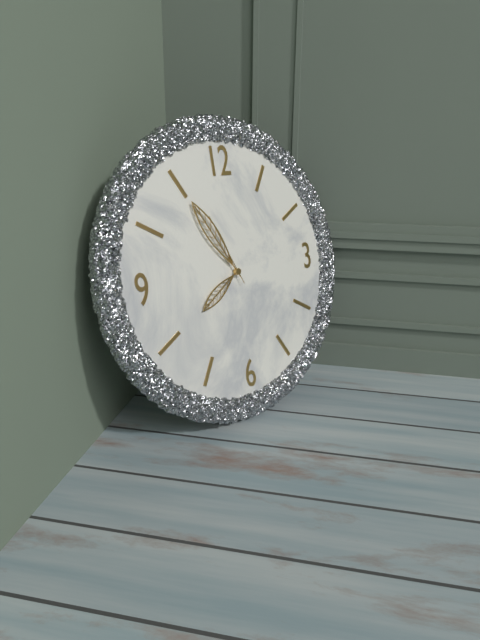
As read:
**7:55:56**
